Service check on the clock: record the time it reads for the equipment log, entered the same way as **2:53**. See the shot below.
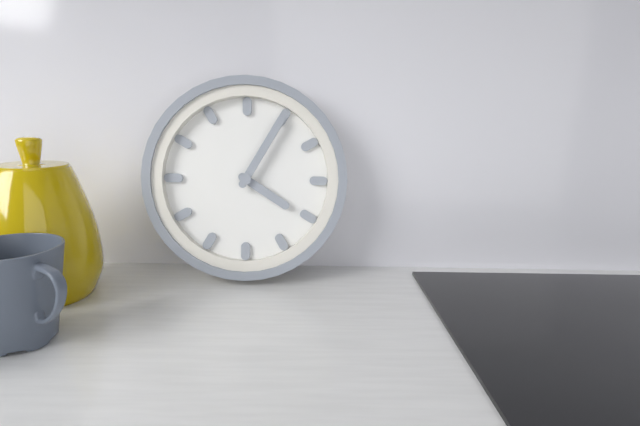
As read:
**4:05**
